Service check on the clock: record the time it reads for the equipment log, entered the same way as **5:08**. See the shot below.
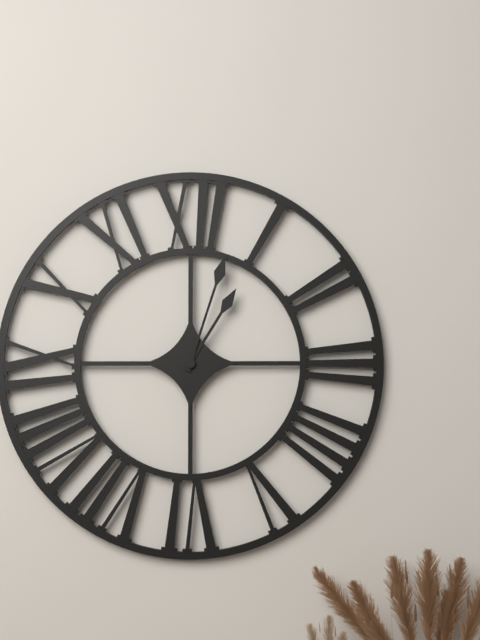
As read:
**1:03**
